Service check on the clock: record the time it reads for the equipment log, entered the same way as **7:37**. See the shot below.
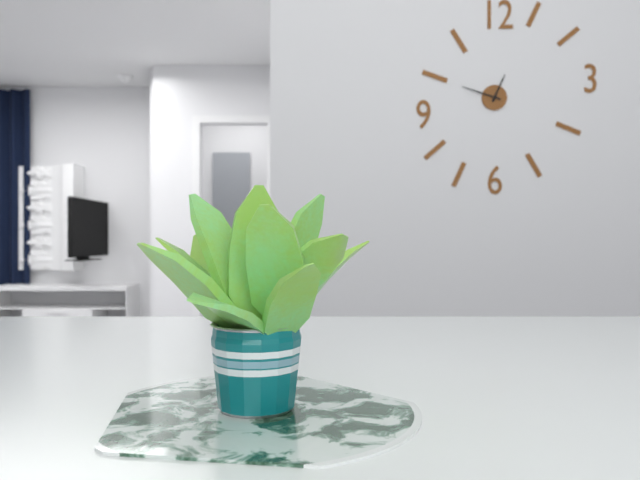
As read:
**12:48**
